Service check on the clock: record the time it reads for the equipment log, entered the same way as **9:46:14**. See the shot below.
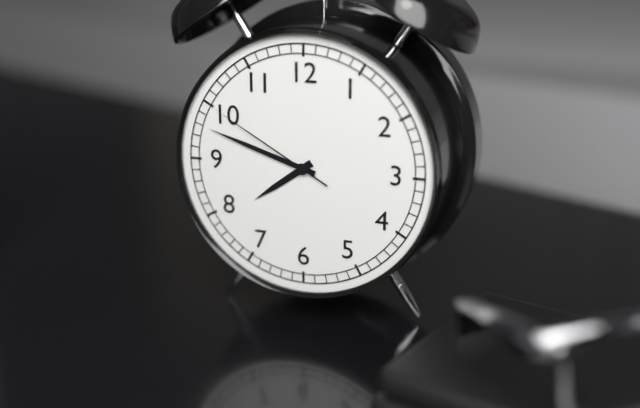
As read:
**7:48:50**
